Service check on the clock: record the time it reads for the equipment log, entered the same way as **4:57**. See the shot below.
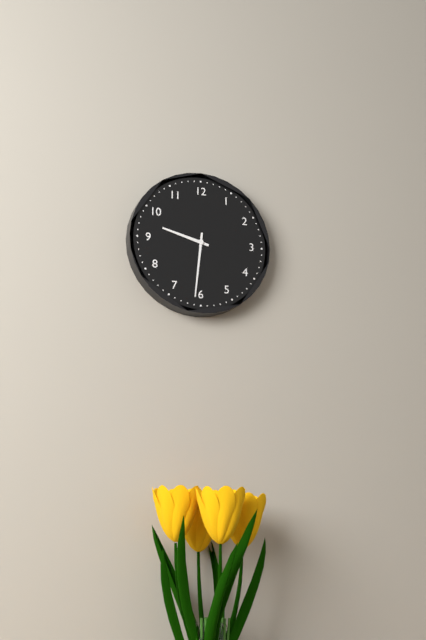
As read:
**9:31**
